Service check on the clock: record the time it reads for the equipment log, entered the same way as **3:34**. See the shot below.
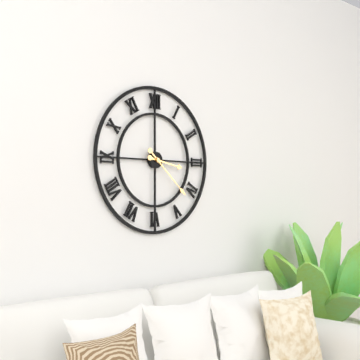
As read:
**3:22**
